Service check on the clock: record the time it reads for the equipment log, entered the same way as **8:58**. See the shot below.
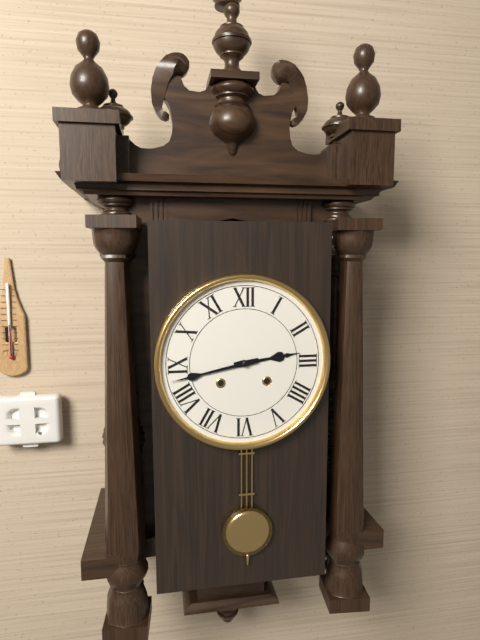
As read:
**2:43**
